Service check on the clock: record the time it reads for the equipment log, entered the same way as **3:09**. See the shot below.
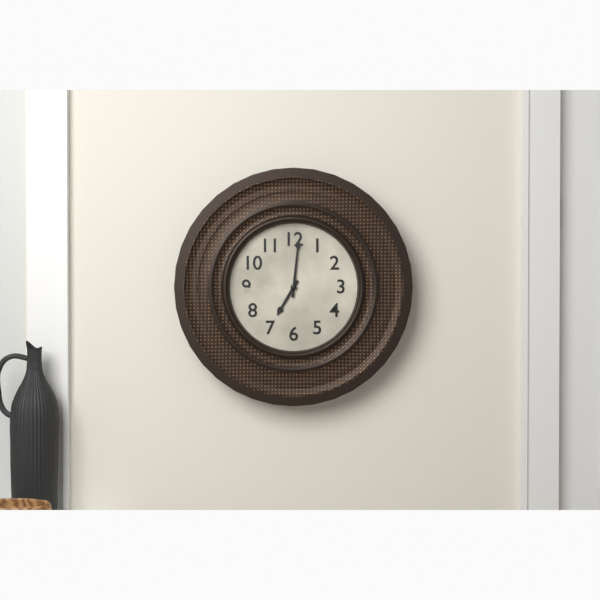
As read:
**7:01**
